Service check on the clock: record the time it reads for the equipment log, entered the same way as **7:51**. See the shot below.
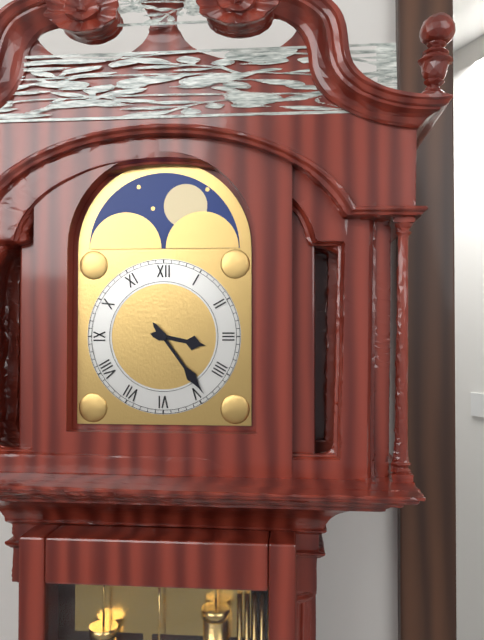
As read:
**3:24**
